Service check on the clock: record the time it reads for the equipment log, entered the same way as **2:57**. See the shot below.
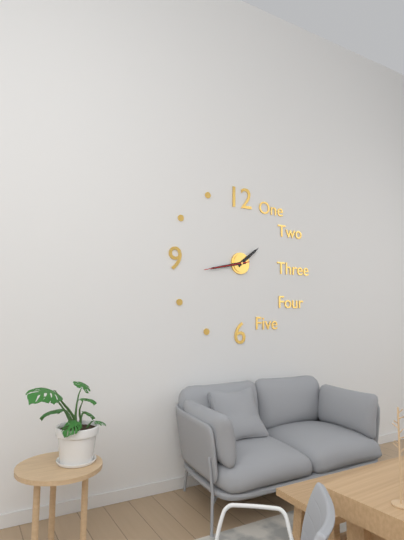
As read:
**1:43**
